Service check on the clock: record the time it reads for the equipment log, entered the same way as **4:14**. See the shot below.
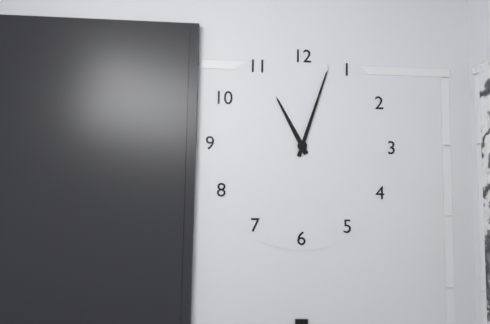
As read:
**11:03**
